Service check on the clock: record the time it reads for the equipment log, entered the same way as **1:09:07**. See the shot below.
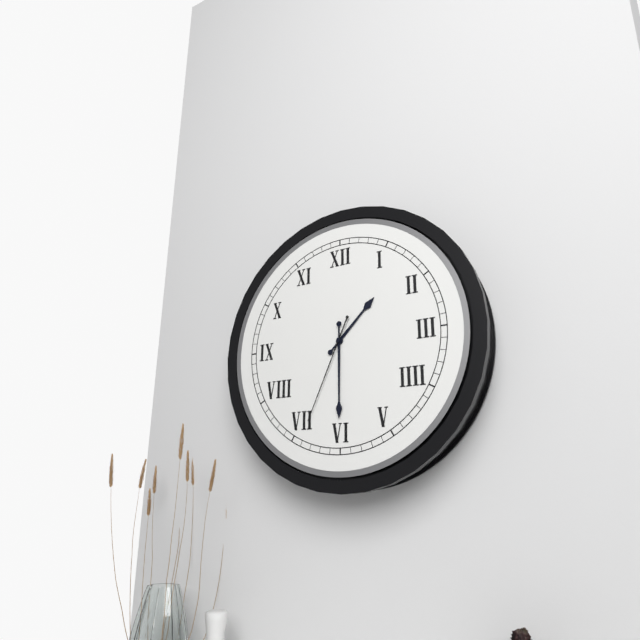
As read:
**1:30:34**
